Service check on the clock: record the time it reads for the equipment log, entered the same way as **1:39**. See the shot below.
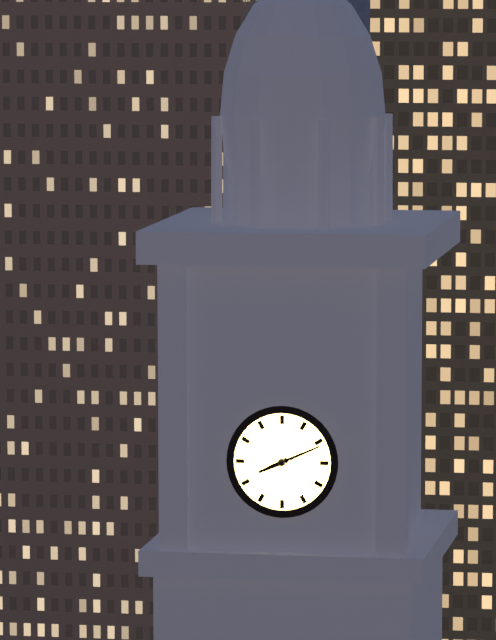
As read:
**8:11**
